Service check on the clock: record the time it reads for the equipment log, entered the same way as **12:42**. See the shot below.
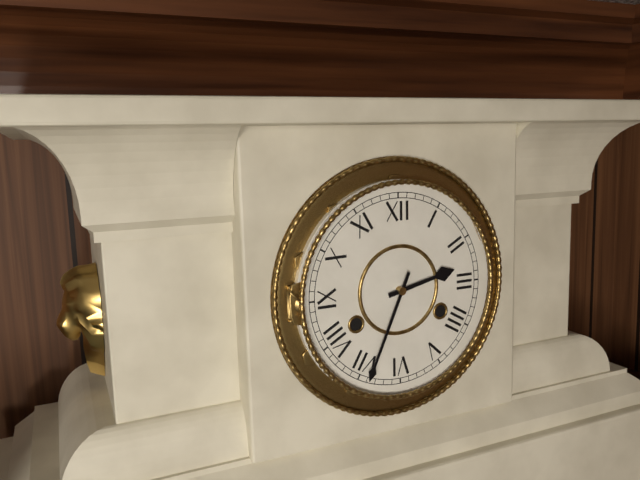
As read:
**2:34**
